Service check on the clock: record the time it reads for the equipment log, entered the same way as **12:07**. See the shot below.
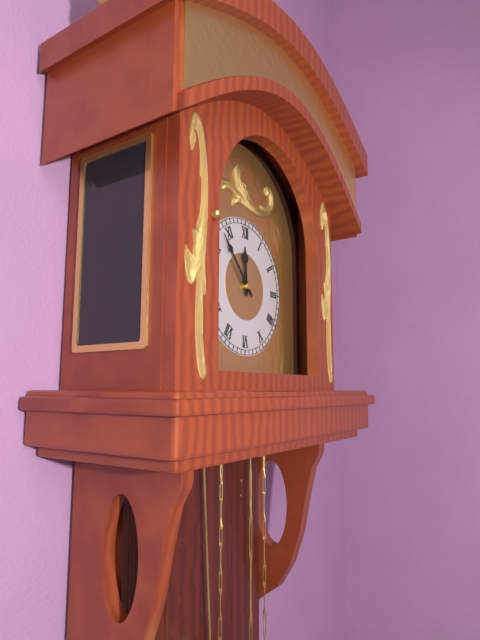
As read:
**11:53**
